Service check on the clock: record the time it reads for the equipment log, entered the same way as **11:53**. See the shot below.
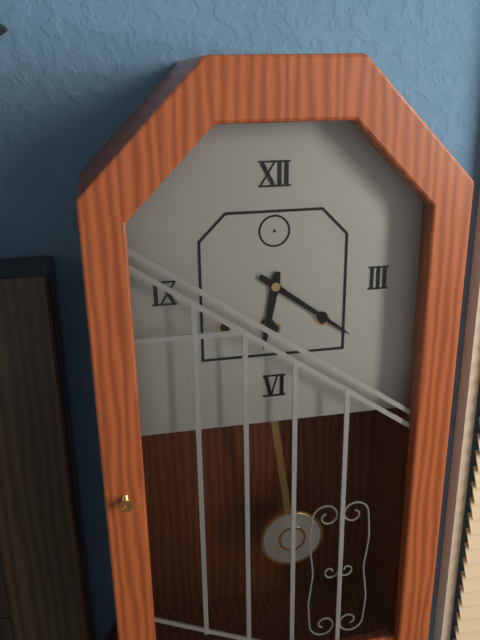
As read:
**6:21**
